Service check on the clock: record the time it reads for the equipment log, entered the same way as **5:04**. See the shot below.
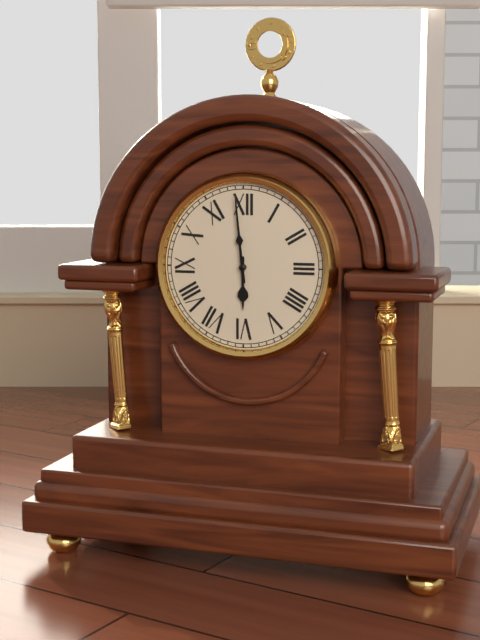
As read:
**5:59**
